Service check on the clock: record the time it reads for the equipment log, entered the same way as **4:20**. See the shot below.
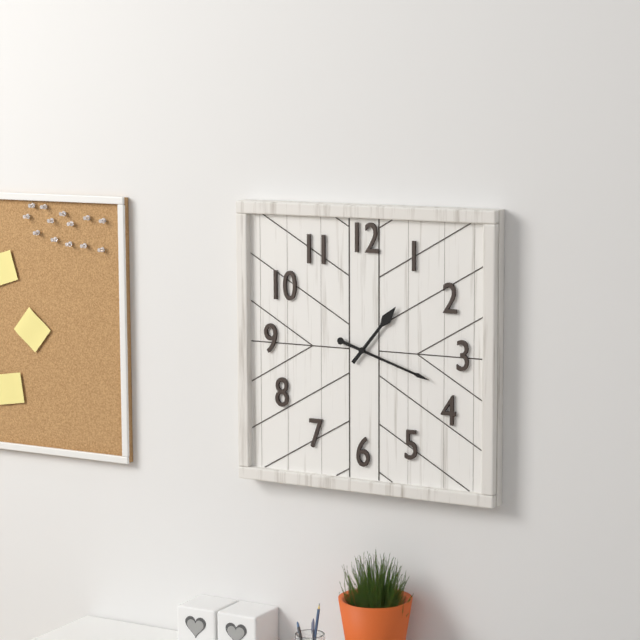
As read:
**1:18**
